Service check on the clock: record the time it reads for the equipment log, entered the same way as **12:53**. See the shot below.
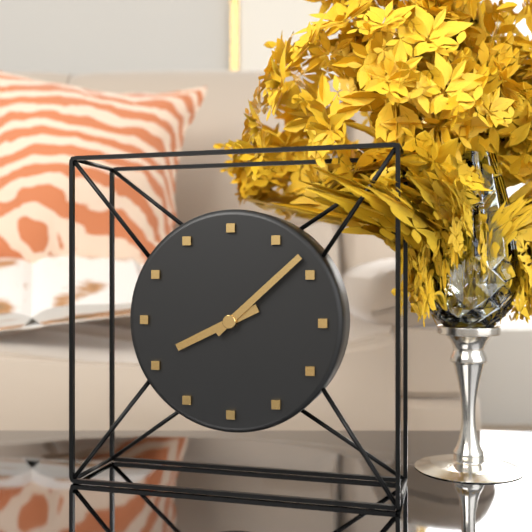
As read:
**8:08**
